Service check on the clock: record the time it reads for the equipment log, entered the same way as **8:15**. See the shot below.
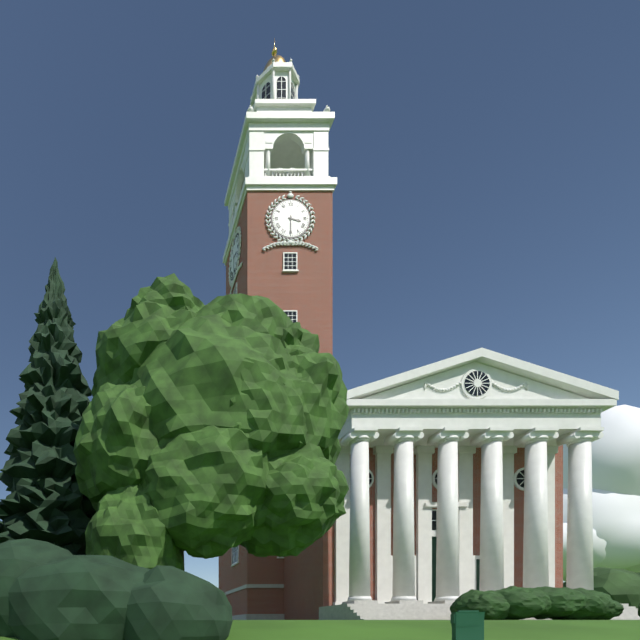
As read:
**3:30**
